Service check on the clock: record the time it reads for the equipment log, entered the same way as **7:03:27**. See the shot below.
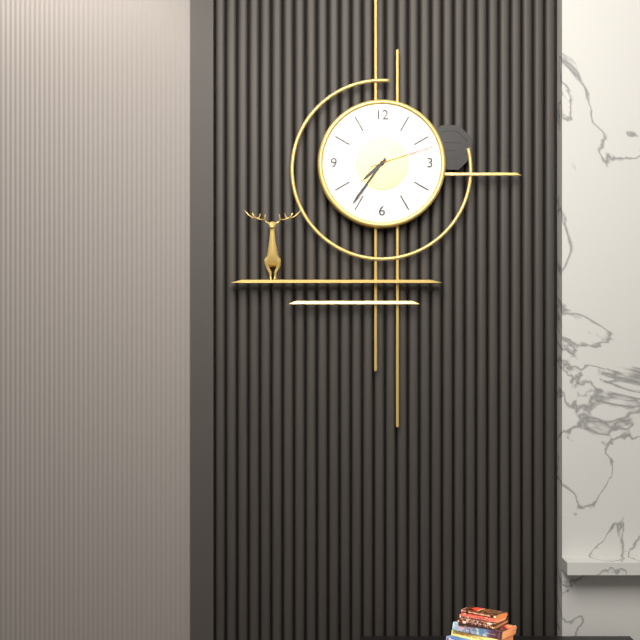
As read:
**7:36:12**
